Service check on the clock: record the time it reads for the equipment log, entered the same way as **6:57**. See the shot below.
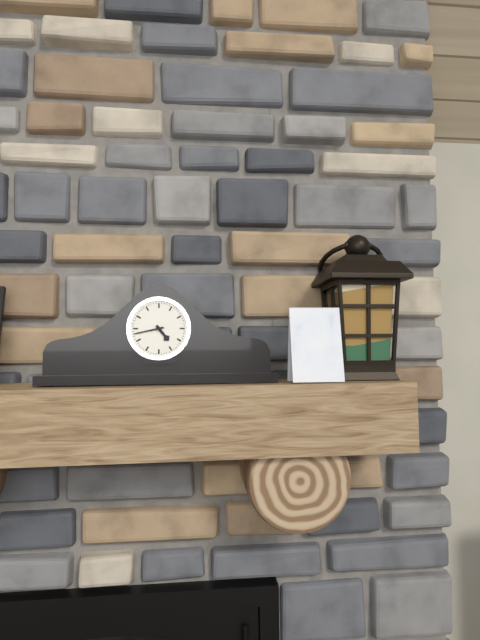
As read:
**4:43**
